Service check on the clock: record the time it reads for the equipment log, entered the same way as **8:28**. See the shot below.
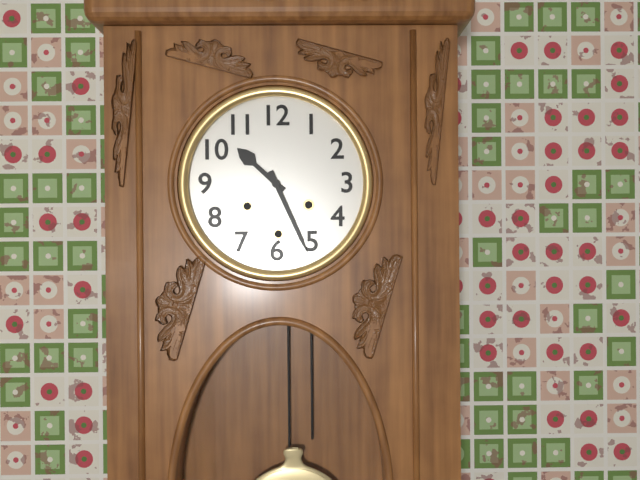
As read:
**10:26**
